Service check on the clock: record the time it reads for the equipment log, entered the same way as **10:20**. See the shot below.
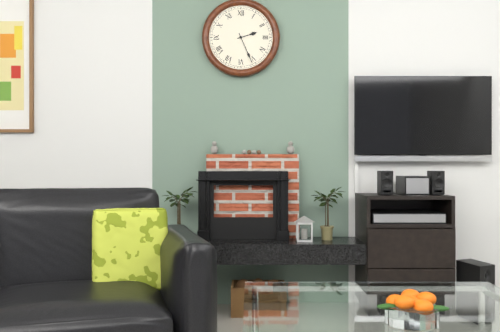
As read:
**2:26**
